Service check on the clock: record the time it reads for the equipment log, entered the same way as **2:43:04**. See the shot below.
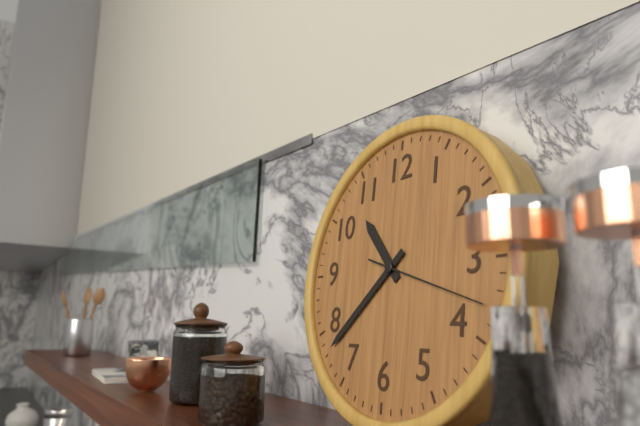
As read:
**10:38:18**
